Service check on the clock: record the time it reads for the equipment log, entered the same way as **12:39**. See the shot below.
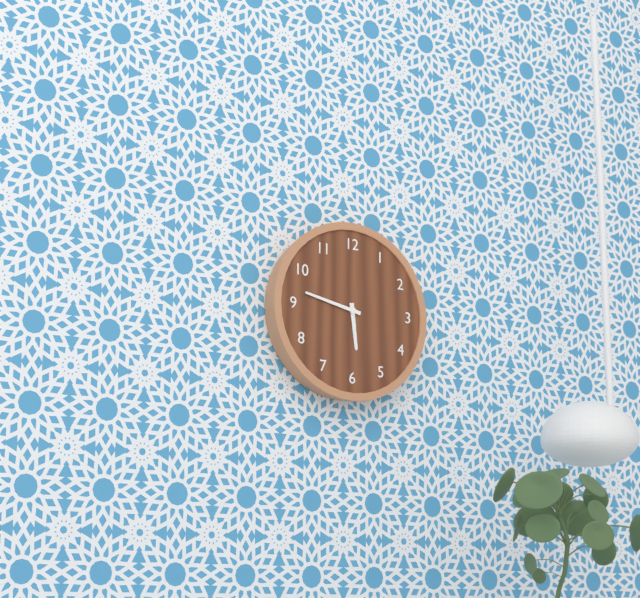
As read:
**5:47**
